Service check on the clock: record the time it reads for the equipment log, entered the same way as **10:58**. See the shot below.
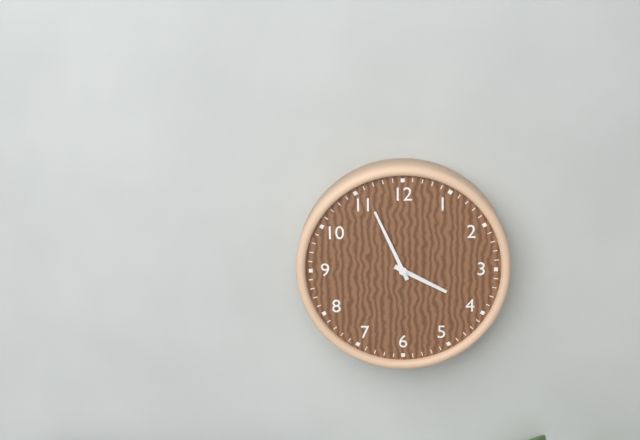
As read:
**3:56**
